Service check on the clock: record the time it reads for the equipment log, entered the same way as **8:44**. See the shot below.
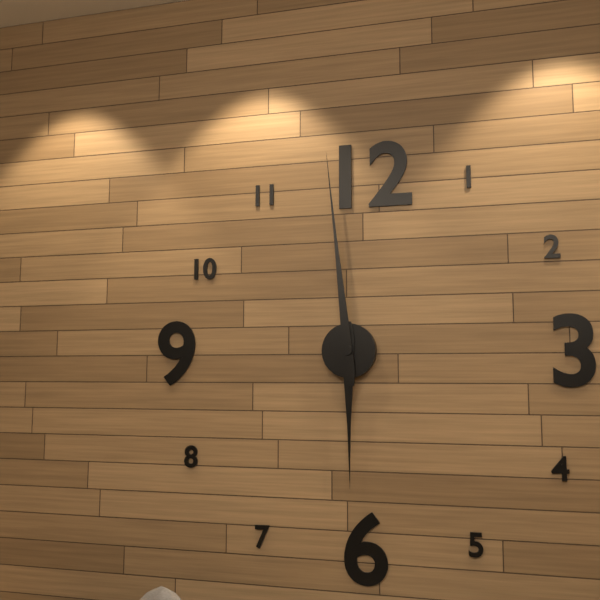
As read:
**5:59**
